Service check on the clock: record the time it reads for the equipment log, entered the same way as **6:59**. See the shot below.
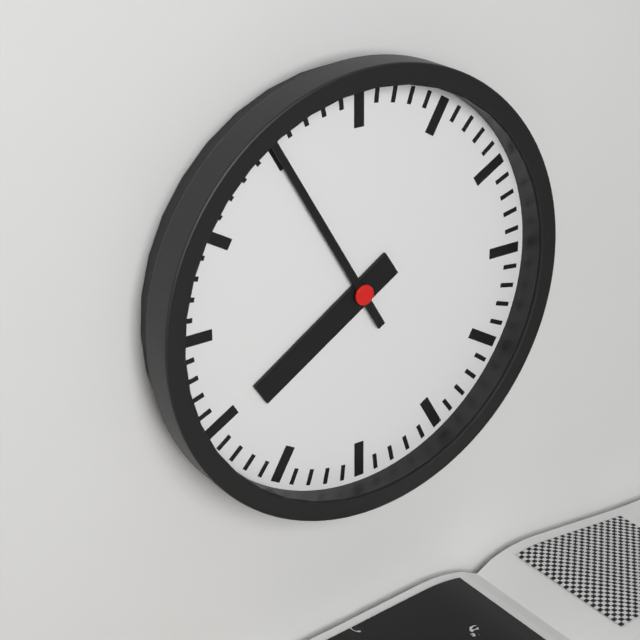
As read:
**7:55**
